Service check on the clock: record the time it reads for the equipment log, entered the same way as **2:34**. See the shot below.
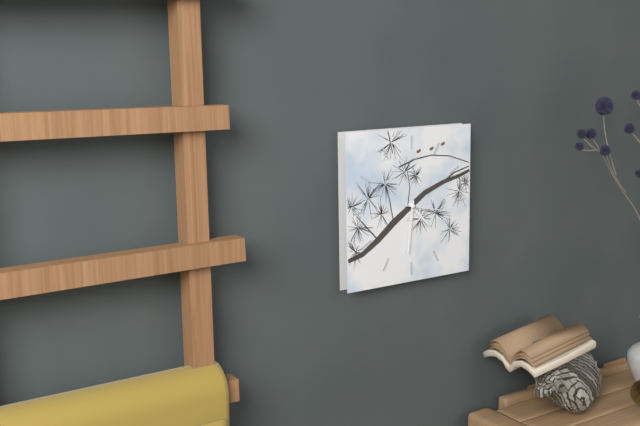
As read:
**4:31**
